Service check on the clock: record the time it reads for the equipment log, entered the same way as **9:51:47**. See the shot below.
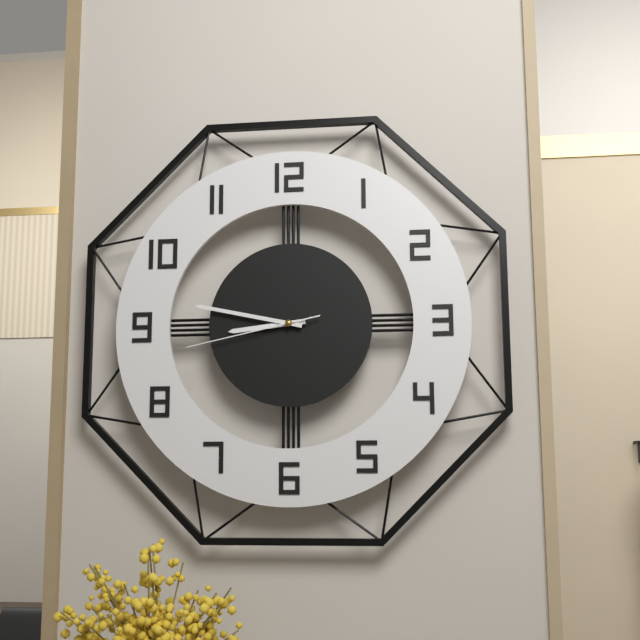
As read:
**8:47:43**
